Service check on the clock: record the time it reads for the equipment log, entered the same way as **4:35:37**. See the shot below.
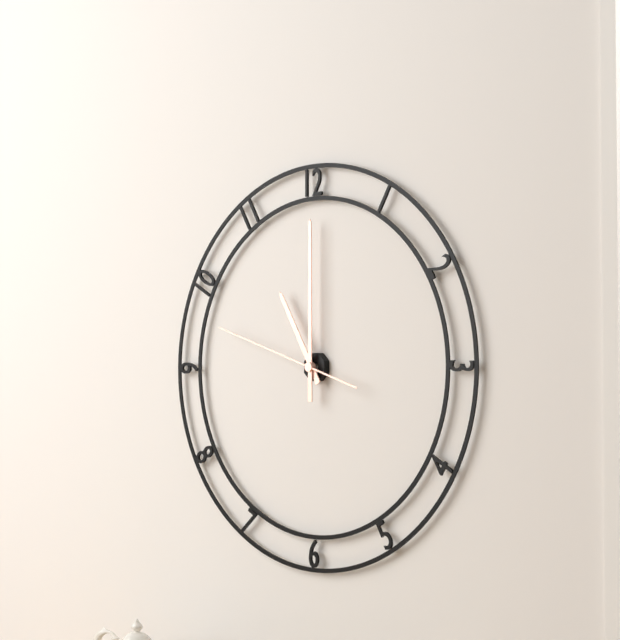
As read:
**11:00:48**
